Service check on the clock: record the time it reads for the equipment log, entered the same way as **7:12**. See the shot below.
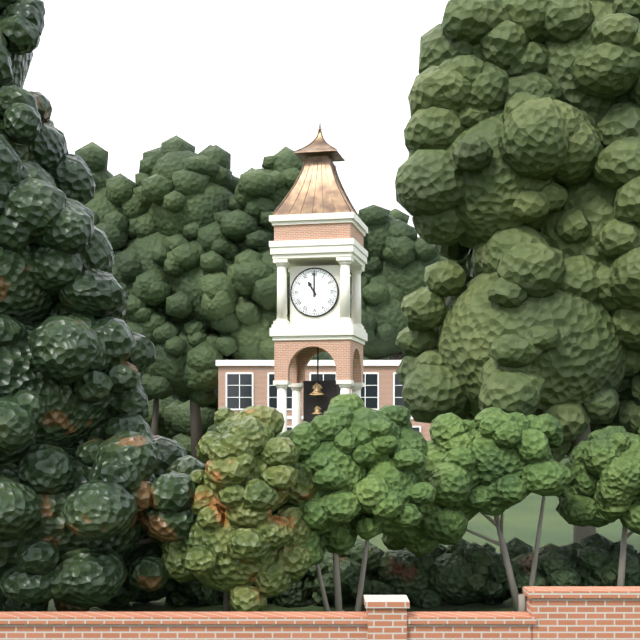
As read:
**11:00**
